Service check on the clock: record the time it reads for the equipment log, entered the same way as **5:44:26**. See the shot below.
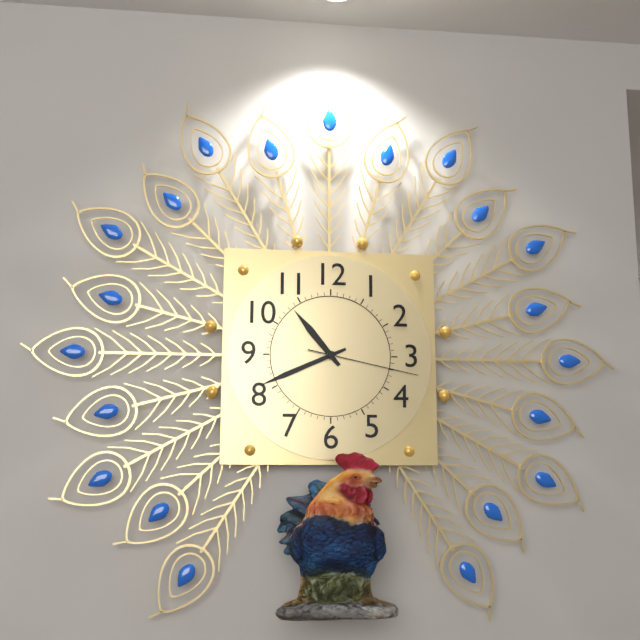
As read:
**10:41:17**
